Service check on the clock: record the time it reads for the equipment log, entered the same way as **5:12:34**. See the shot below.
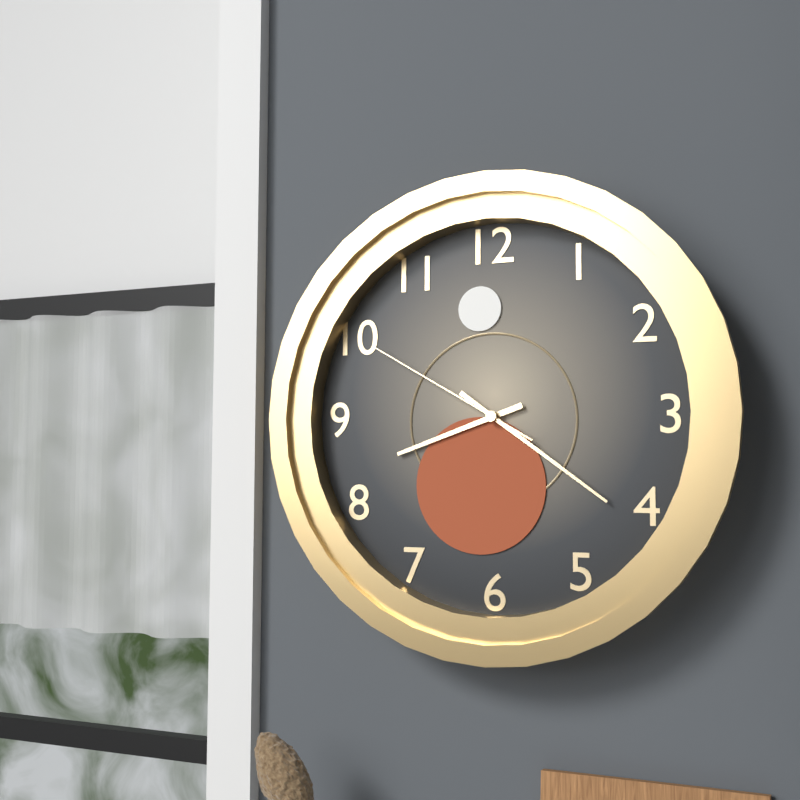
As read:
**8:21:50**
